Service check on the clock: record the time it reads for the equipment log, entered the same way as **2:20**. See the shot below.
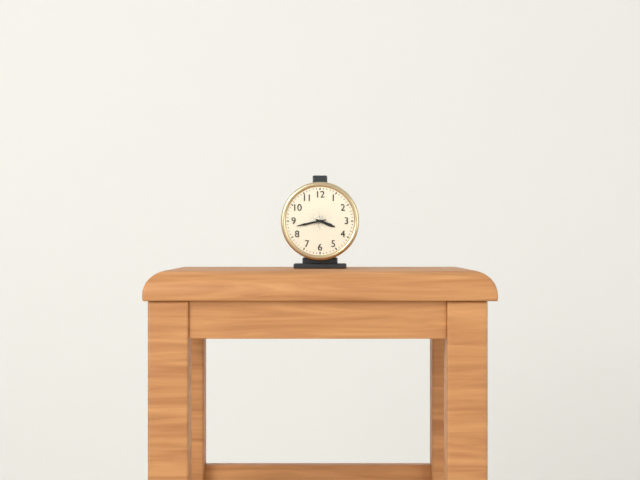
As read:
**3:43**
